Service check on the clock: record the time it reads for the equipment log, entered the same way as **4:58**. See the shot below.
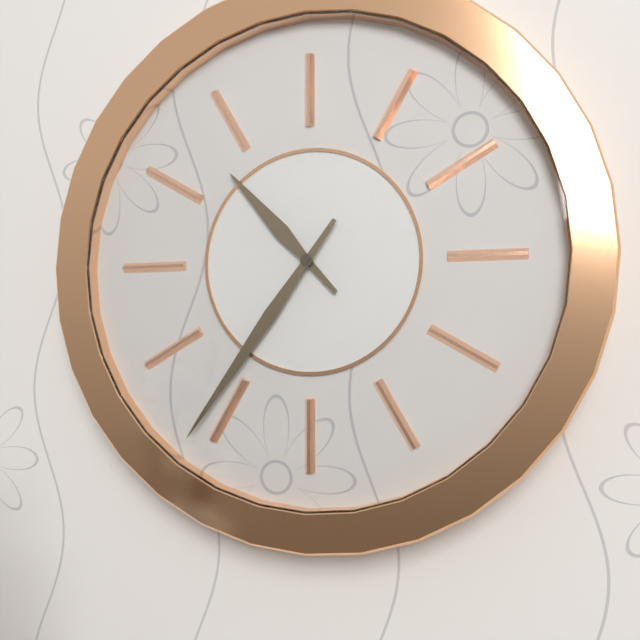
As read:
**10:36**
